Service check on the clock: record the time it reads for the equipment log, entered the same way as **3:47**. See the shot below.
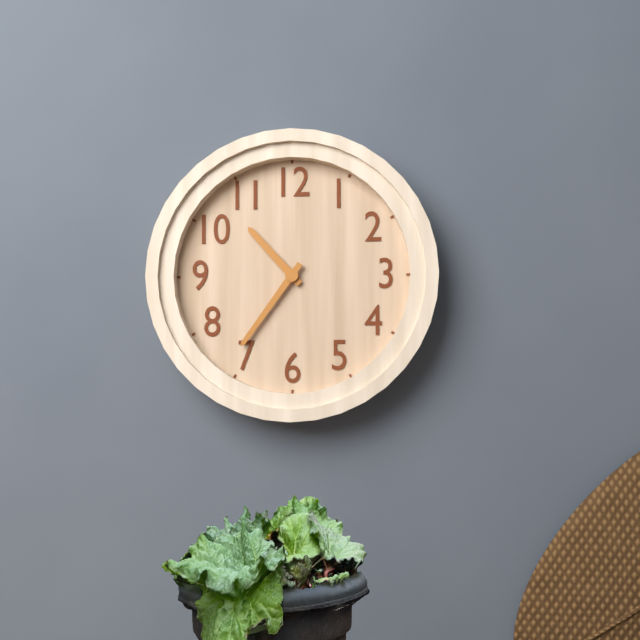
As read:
**10:36**
